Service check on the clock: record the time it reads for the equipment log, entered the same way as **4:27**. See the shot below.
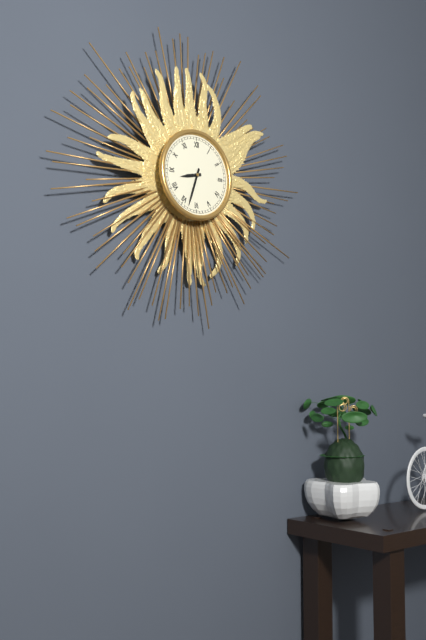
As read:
**8:33**
